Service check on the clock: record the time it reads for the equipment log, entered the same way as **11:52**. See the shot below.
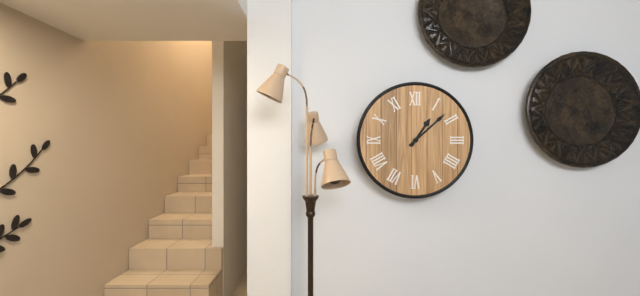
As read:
**1:08**
